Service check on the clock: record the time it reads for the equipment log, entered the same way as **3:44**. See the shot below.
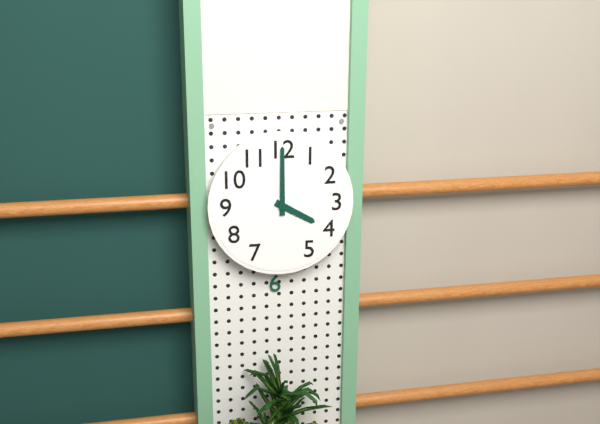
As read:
**4:00**
